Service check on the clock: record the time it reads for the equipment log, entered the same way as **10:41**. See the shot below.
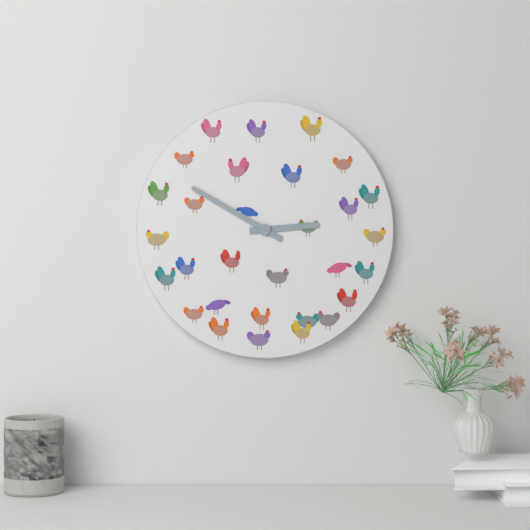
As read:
**2:50**
